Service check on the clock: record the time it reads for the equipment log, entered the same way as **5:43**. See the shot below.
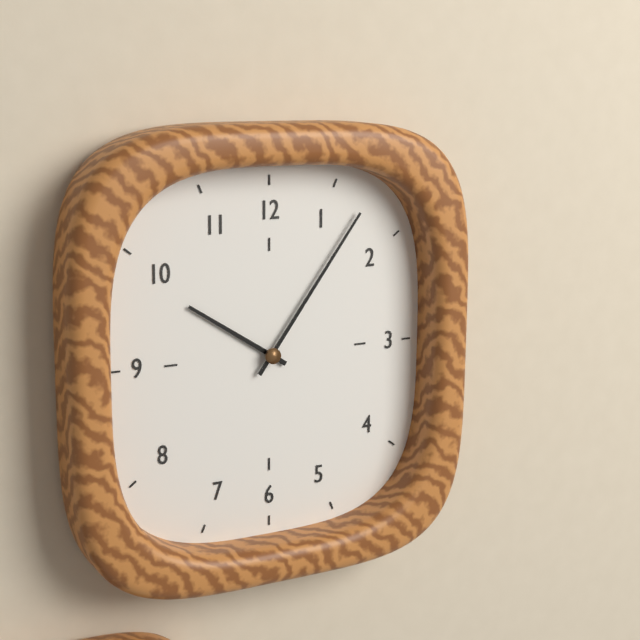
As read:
**10:06**
